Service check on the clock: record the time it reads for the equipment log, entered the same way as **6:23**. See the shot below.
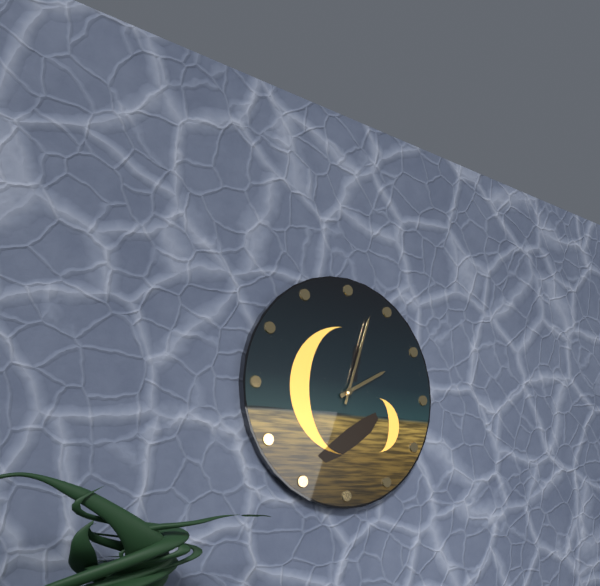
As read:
**2:03**
